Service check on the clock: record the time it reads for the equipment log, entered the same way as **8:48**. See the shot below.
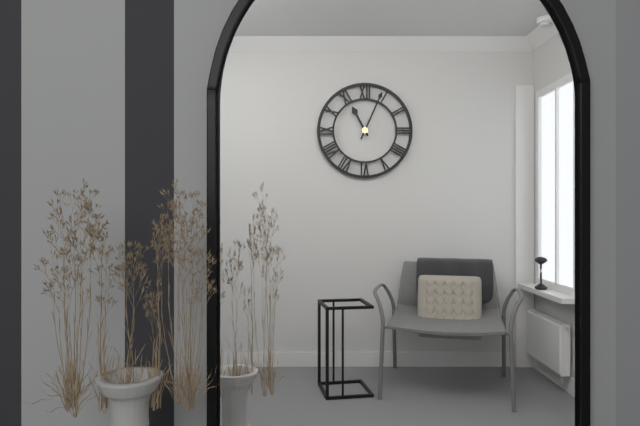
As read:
**11:04**
